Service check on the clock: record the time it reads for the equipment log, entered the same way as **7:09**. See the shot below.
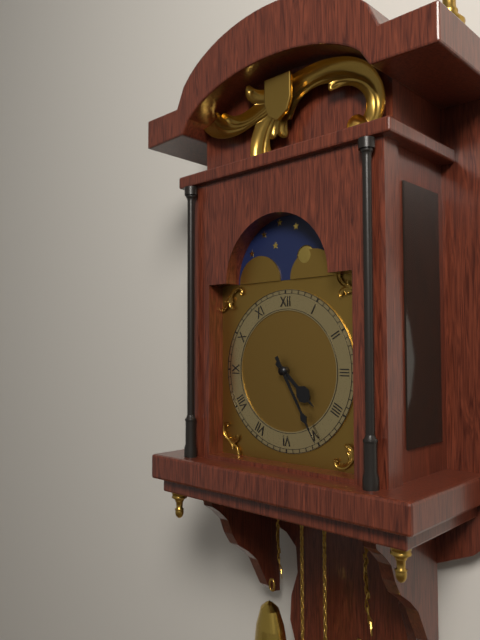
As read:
**4:25**
